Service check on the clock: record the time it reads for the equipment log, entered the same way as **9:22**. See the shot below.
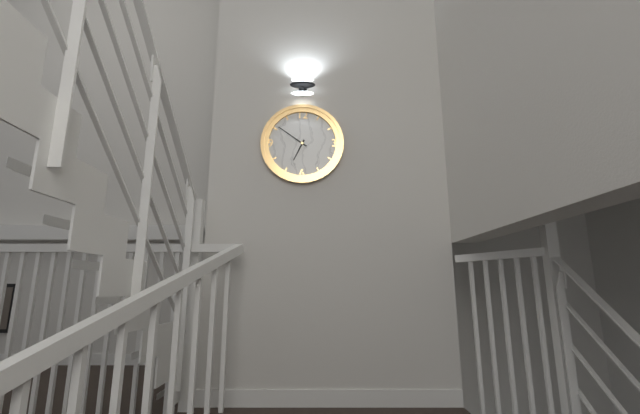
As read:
**6:51**
